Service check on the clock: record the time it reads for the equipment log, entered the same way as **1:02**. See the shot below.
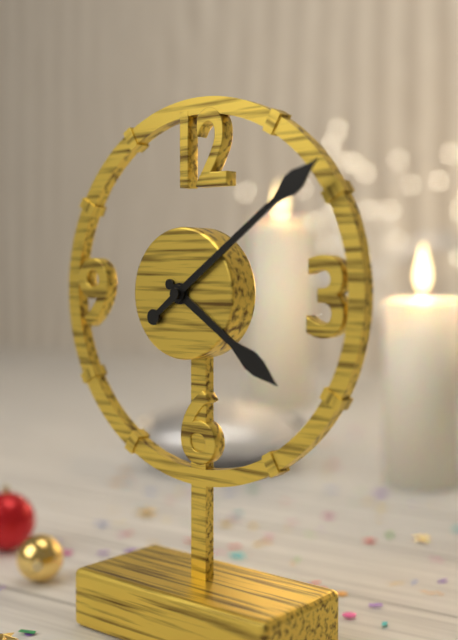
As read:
**4:09**
